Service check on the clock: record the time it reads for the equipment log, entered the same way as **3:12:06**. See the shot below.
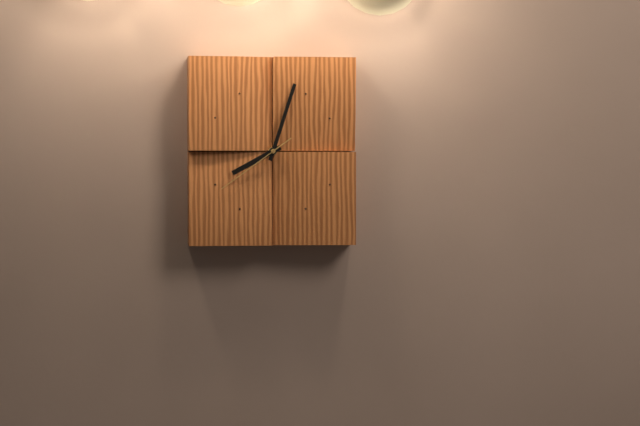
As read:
**8:03:39**
